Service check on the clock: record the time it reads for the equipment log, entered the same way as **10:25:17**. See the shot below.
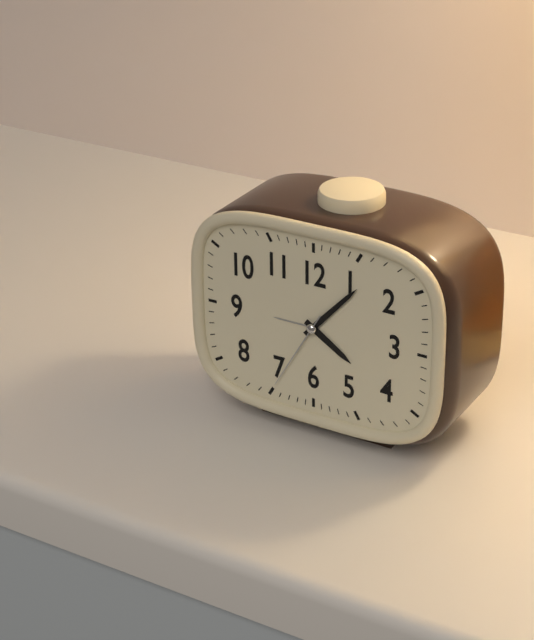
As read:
**4:07:35**
